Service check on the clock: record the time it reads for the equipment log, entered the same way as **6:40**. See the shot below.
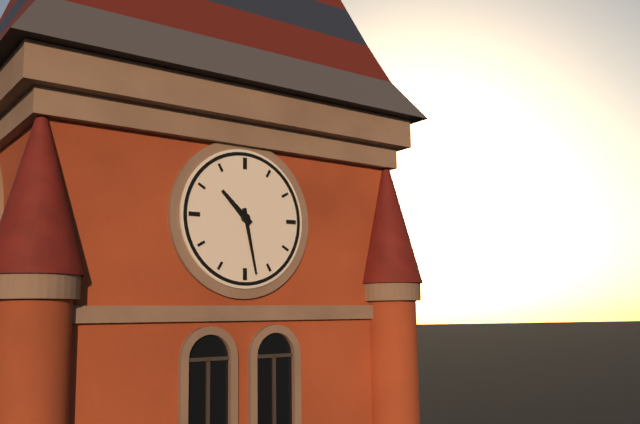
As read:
**10:28**
